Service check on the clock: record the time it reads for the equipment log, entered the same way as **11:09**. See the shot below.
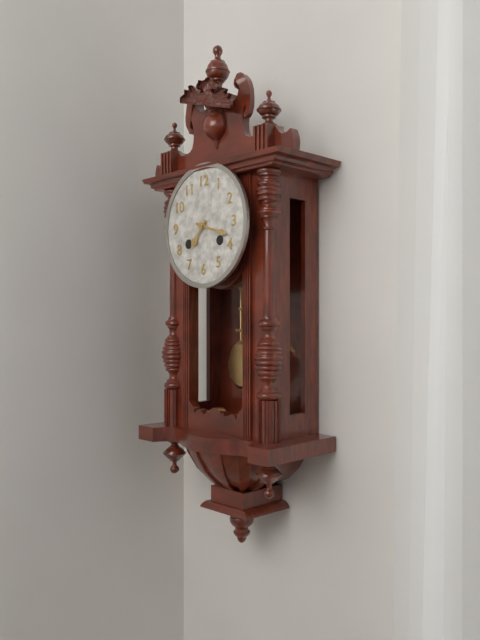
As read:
**7:18**
